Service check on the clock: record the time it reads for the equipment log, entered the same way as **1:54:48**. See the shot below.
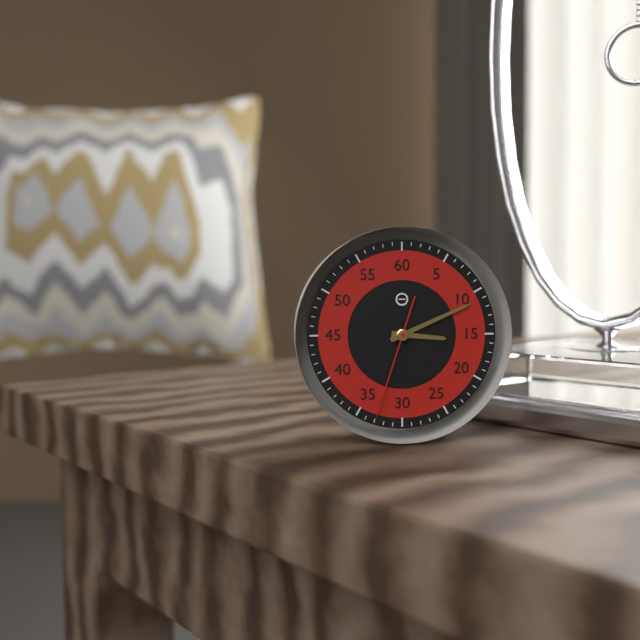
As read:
**3:11:33**
